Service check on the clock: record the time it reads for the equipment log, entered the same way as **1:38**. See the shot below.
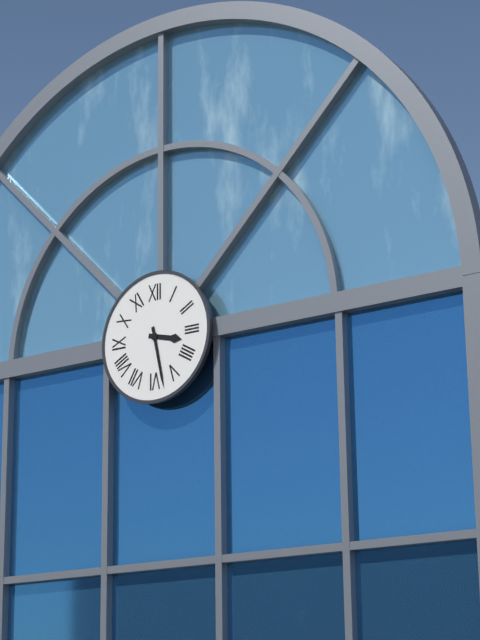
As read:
**3:28**
